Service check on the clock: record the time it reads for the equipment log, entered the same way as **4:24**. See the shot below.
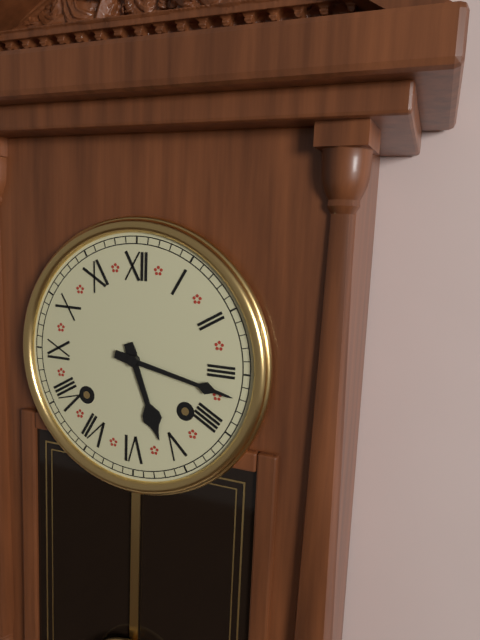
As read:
**5:17**
